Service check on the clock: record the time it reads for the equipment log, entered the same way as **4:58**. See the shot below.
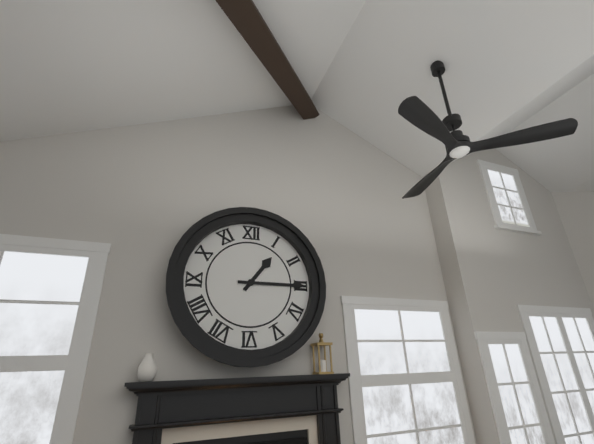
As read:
**1:15**
